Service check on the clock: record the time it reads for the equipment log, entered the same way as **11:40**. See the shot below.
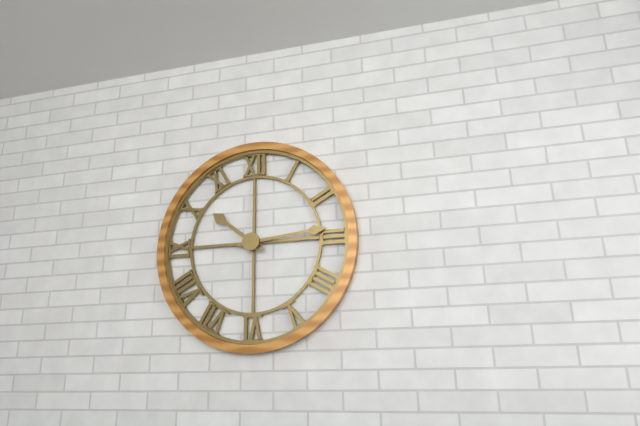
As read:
**10:14**
